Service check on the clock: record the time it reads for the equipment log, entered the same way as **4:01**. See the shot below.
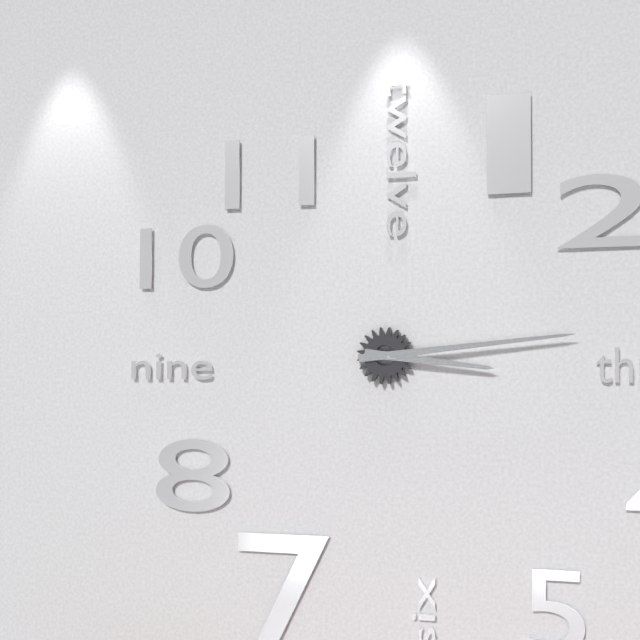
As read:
**3:14**
